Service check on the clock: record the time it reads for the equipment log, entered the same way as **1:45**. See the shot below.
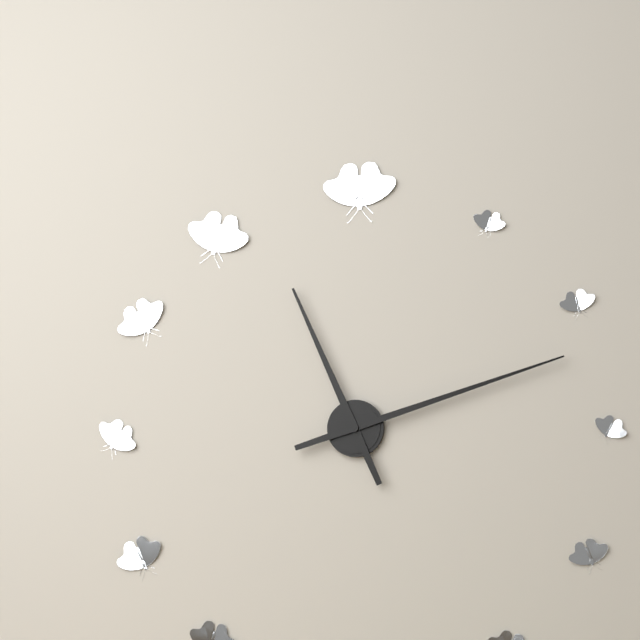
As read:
**11:12**
